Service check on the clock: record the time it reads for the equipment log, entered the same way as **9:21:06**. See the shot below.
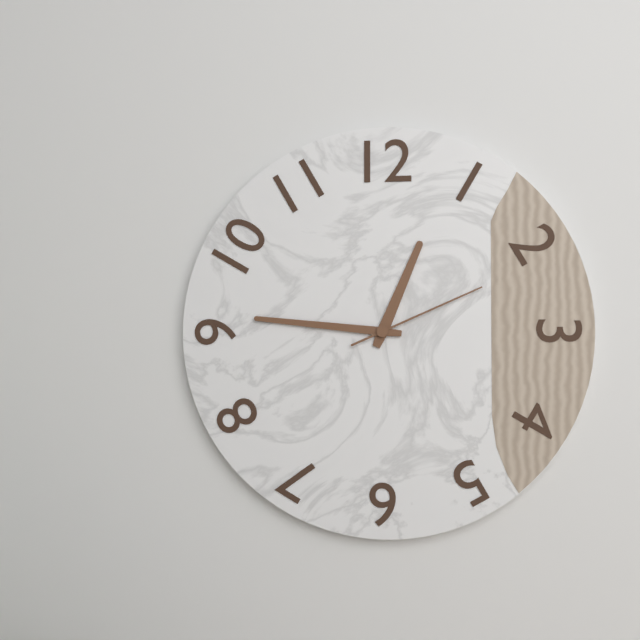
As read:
**12:46:11**
